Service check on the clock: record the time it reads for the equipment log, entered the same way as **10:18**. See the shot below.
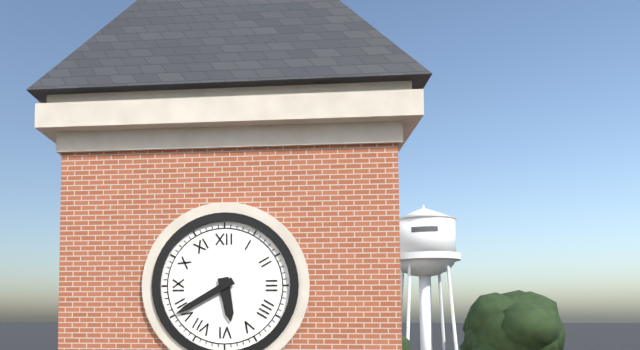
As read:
**5:40**
